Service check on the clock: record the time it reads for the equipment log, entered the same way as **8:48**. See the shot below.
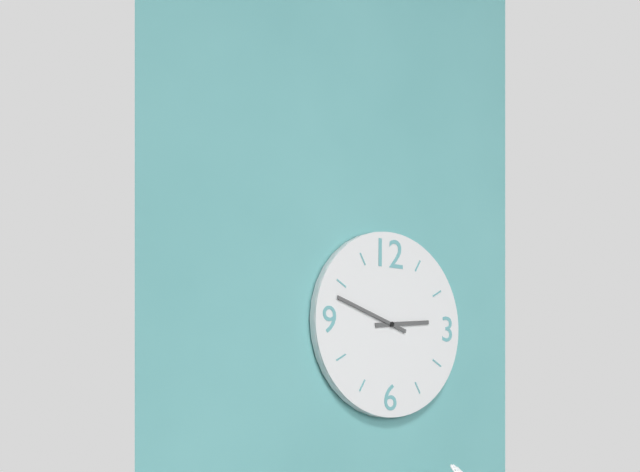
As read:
**2:48**
